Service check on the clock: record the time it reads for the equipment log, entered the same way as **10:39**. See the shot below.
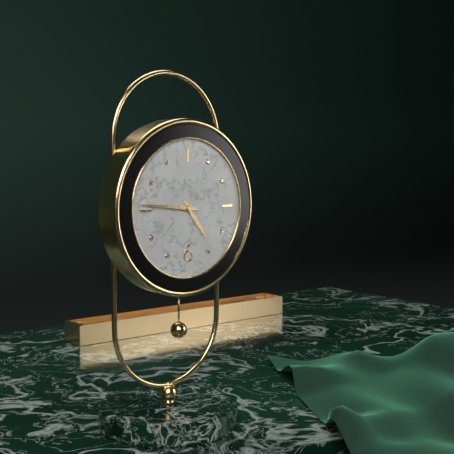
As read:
**4:46**
